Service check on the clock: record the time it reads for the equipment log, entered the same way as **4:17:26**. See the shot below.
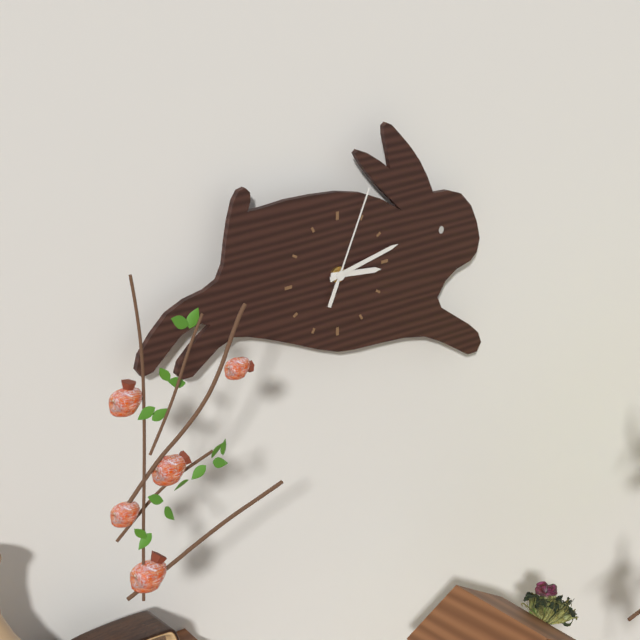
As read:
**3:13:04**
